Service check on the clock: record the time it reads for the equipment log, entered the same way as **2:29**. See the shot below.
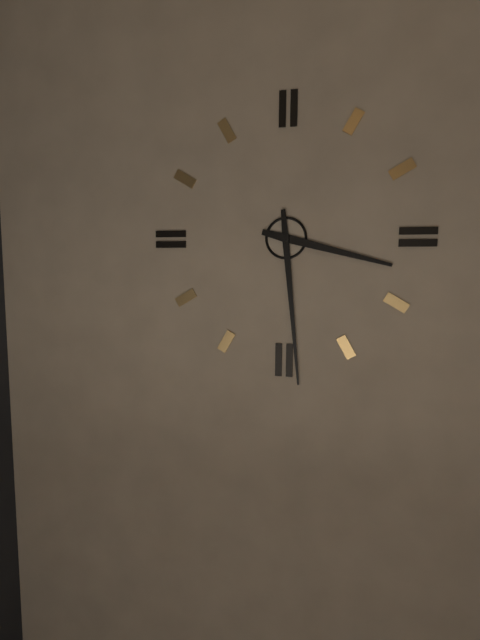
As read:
**3:29**
